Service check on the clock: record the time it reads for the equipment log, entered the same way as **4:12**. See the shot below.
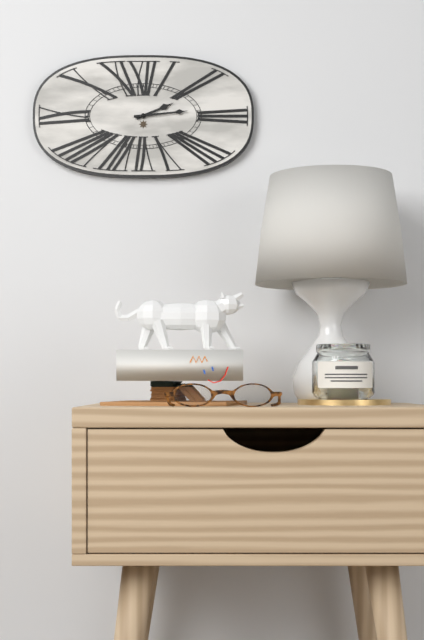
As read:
**2:14**
